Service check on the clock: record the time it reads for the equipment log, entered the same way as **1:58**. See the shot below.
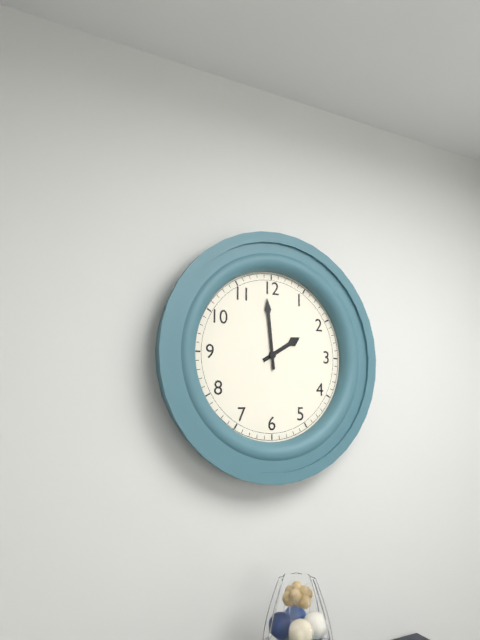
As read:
**1:59**
